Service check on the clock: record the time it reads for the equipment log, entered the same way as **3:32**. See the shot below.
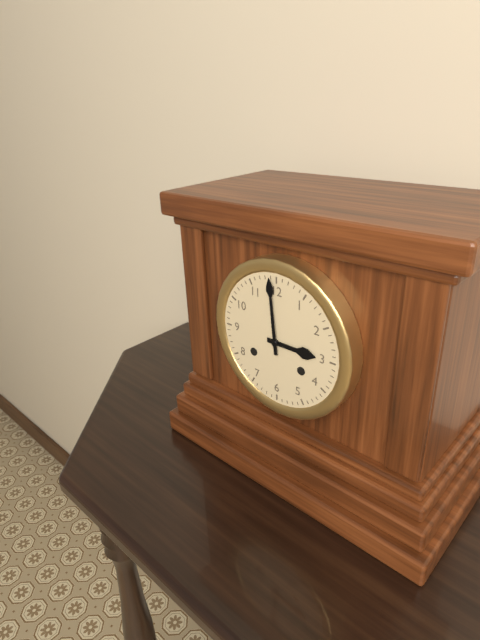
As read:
**2:59**
